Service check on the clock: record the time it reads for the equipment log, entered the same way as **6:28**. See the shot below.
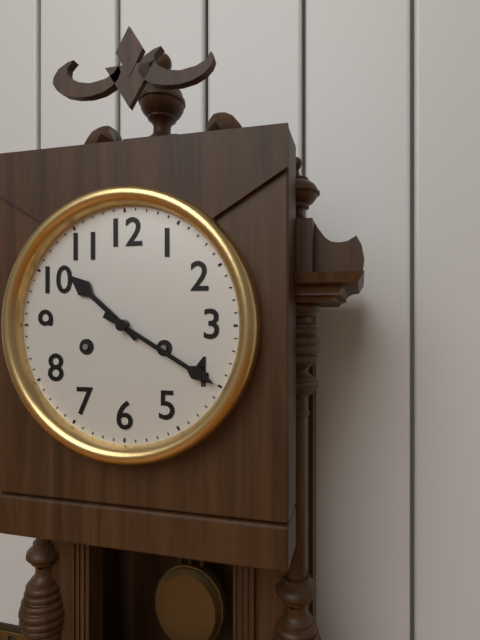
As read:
**10:20**
